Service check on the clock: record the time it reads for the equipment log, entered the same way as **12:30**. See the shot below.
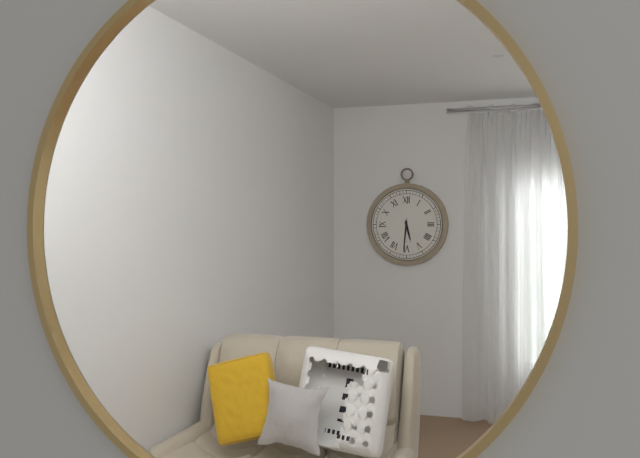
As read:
**5:31**
